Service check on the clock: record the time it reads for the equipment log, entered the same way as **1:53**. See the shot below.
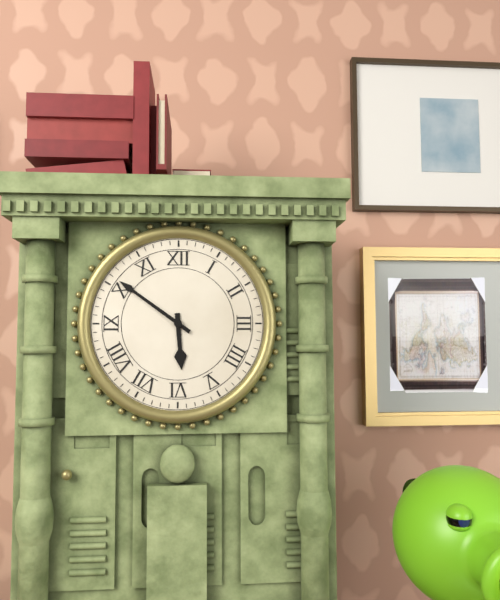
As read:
**5:51**
